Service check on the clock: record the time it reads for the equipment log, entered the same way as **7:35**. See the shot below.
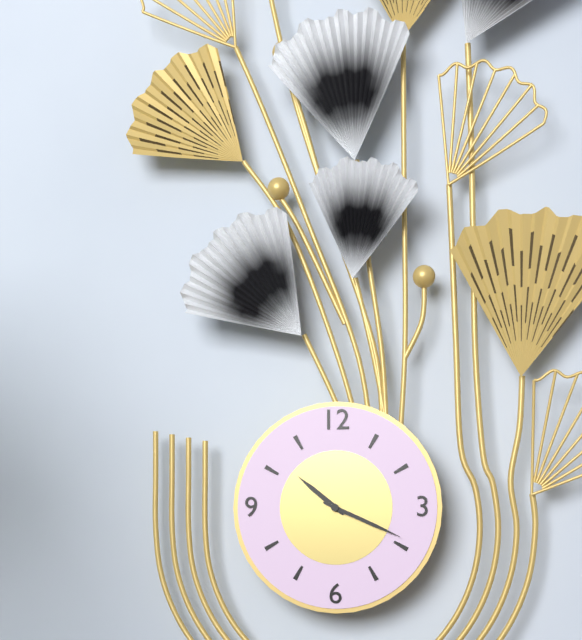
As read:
**10:19**
